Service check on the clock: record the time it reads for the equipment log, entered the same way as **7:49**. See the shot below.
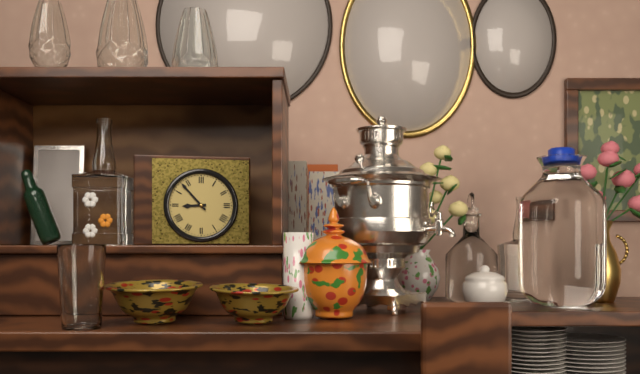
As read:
**8:53**
